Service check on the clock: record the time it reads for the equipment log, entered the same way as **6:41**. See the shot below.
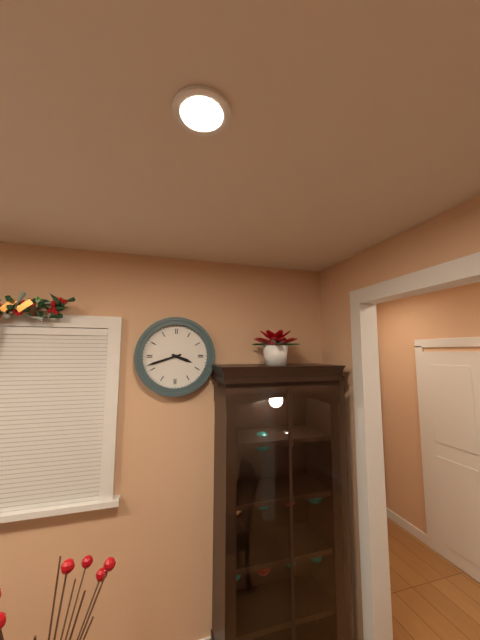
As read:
**3:42**
